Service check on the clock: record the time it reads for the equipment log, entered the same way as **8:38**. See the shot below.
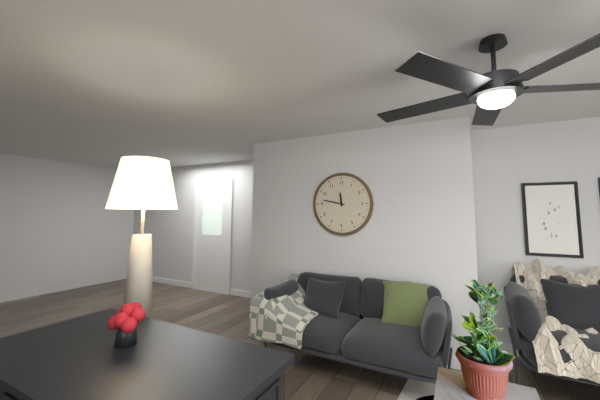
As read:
**11:47**
